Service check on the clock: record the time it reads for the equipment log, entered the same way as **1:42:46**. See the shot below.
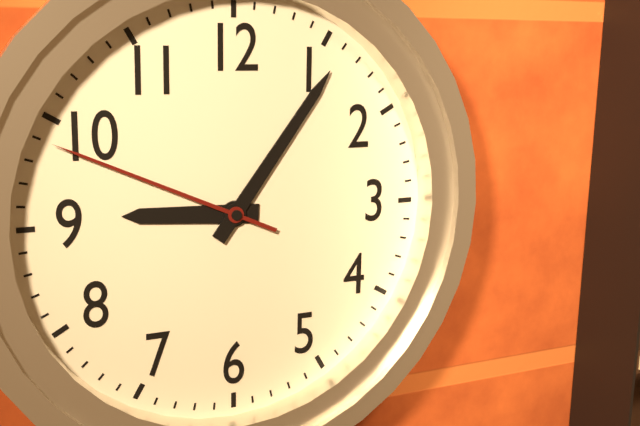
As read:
**9:06:49**
